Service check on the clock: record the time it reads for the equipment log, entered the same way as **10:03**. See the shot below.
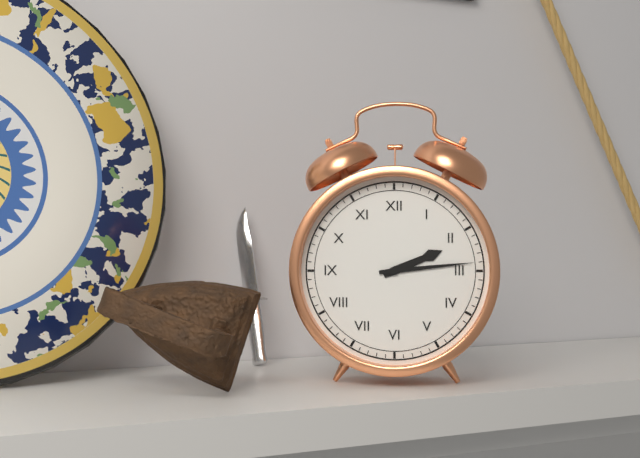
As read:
**2:14**
